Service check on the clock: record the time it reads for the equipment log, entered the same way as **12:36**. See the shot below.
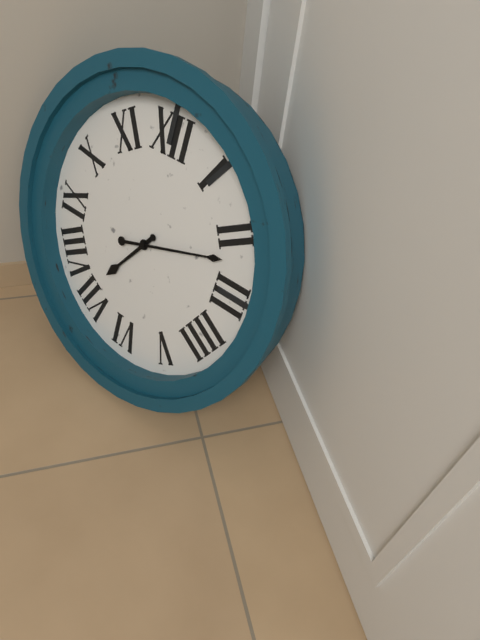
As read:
**7:12**
